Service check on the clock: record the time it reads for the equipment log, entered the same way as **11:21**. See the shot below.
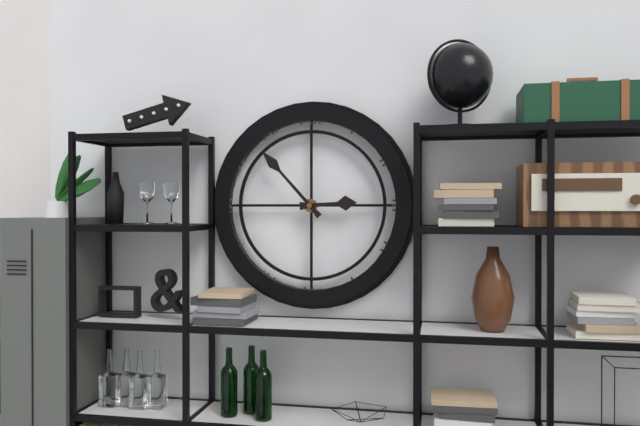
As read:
**2:53**
